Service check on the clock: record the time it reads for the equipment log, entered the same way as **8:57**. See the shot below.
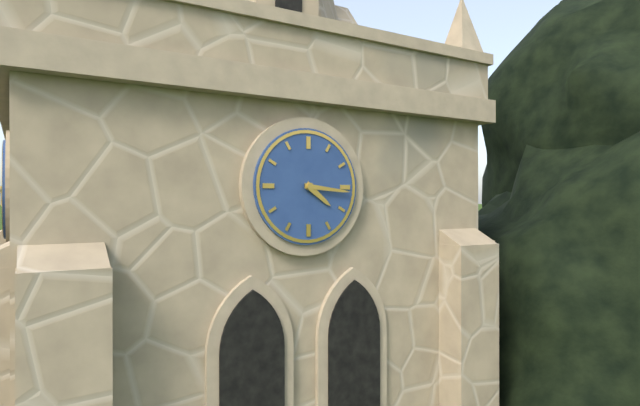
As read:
**4:16**
